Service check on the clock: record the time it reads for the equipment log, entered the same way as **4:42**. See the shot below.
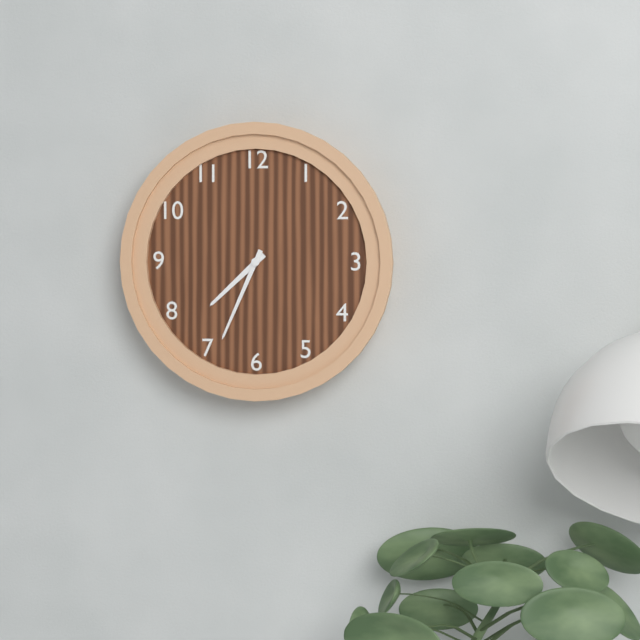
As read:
**7:34**
